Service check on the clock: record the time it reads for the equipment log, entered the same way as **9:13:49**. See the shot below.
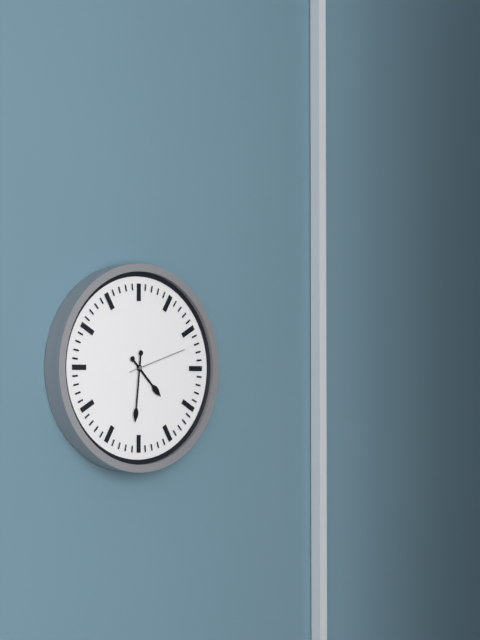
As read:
**4:31:12**
